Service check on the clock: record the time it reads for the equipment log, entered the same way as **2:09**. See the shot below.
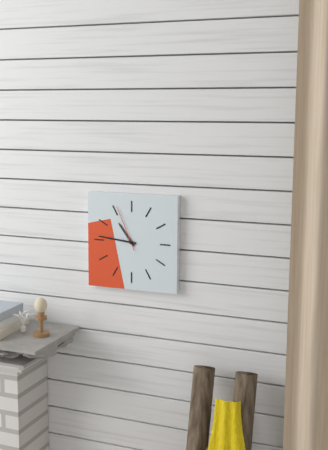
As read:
**10:46**
